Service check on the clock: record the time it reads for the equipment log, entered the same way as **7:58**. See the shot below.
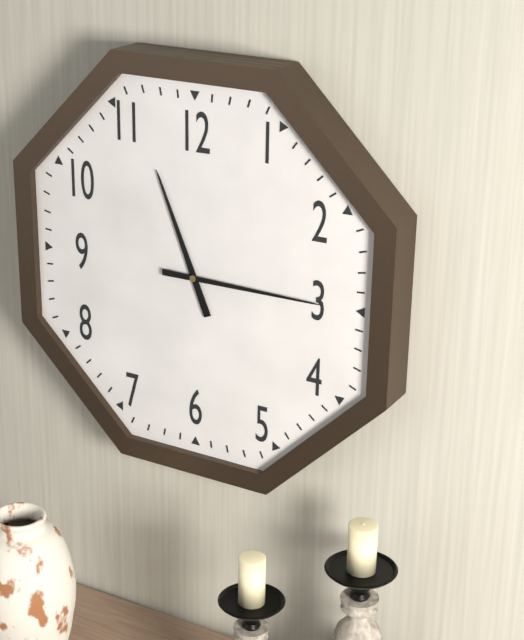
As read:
**11:15**
